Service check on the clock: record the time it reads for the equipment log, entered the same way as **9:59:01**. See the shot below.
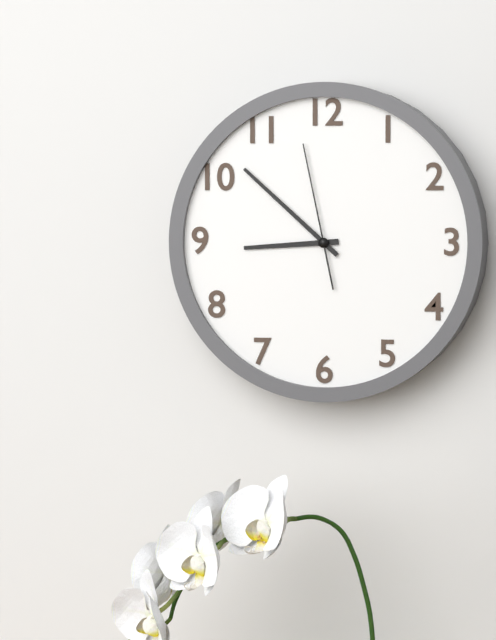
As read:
**8:52:58**
